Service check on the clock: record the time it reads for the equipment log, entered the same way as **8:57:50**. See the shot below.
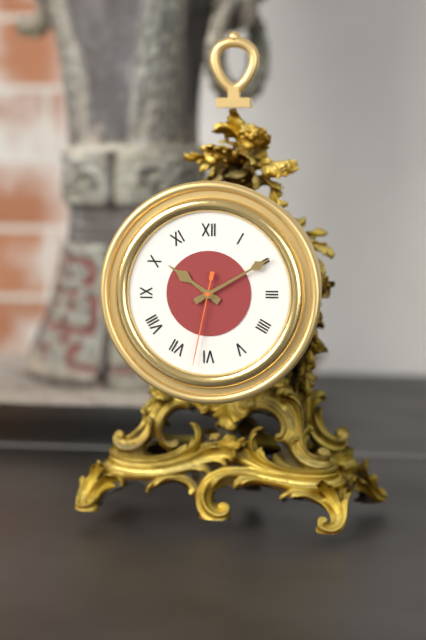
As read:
**10:10:32**
